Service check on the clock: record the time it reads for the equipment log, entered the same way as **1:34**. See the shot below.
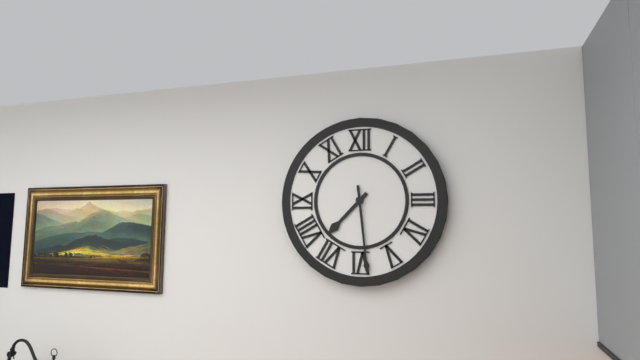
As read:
**7:29**
